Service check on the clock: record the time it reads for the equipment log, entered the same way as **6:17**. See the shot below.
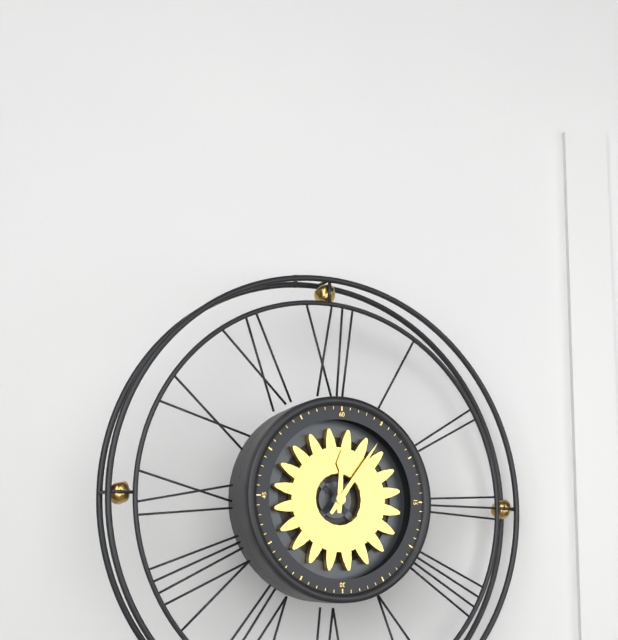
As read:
**12:06**
